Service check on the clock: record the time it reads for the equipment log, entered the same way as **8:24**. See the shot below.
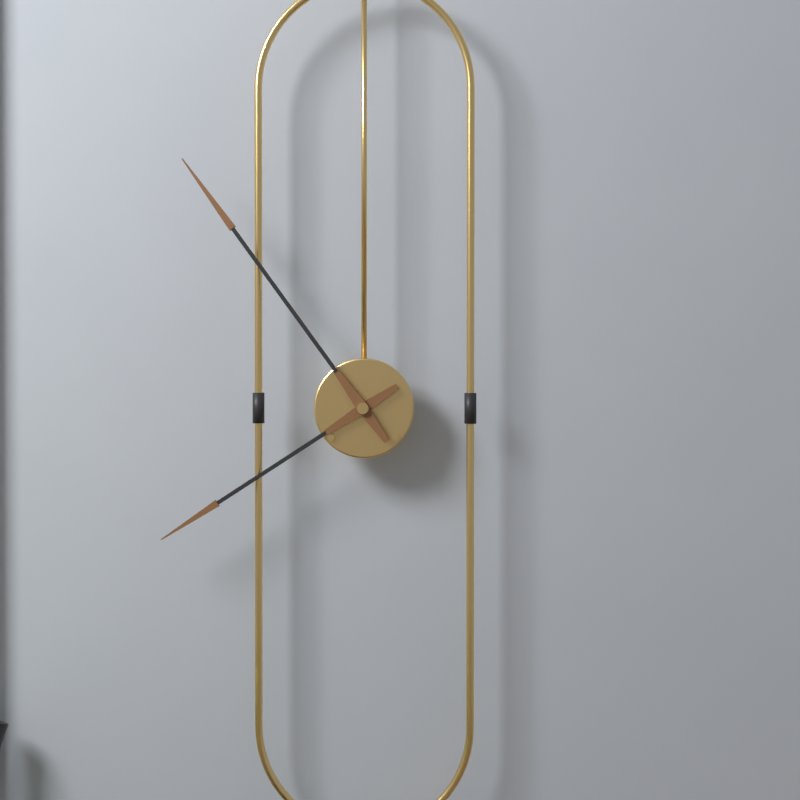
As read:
**7:54**
